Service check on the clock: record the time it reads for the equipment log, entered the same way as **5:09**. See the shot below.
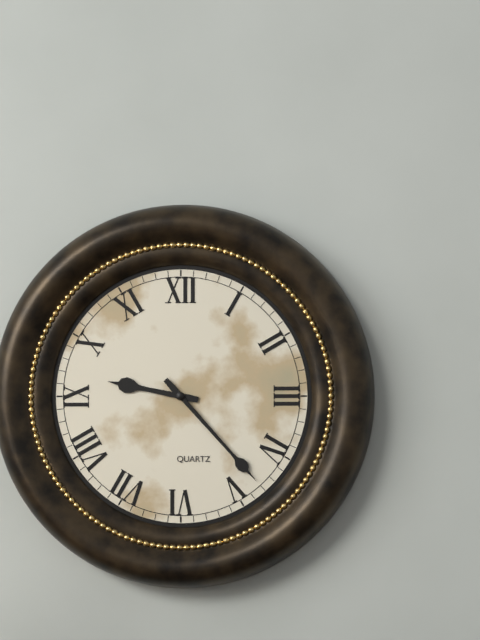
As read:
**9:23**
